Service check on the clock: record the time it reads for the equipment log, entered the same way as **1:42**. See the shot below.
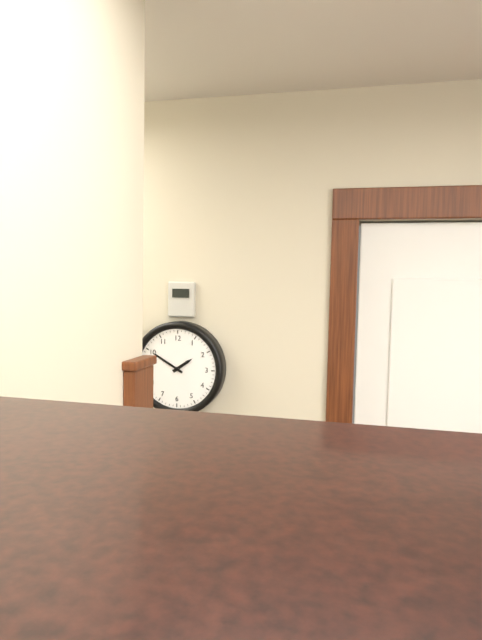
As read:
**1:50**
